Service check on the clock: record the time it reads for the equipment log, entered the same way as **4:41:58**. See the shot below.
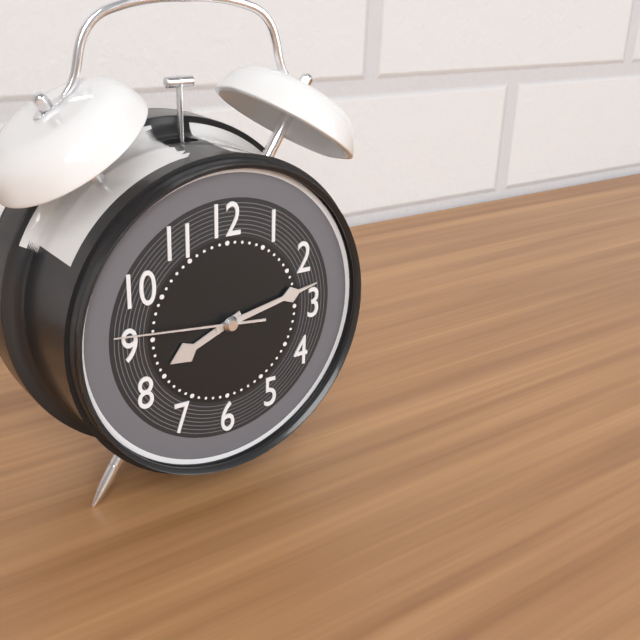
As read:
**8:13:46**
